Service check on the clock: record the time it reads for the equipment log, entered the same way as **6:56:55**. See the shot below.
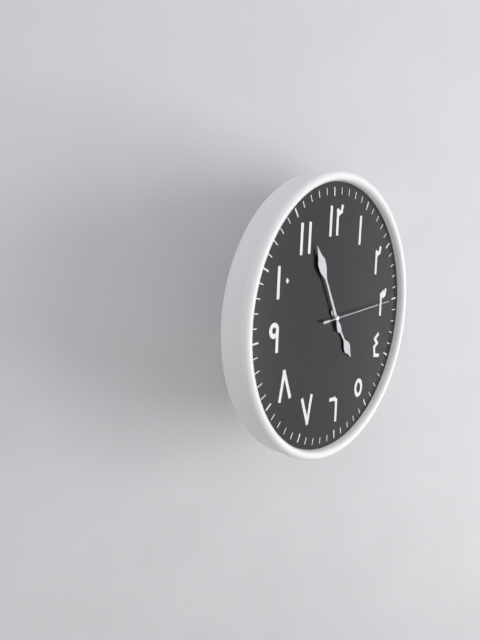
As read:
**4:56:15**
